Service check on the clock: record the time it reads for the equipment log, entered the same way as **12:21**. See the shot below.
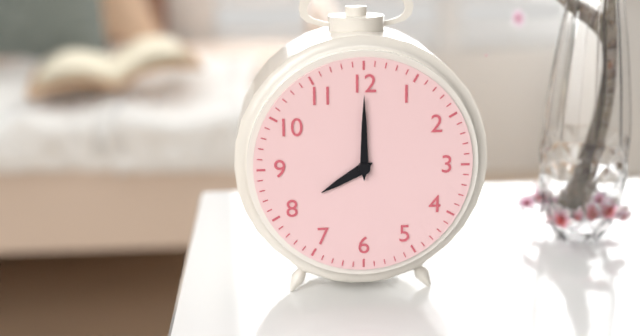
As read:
**8:00**
